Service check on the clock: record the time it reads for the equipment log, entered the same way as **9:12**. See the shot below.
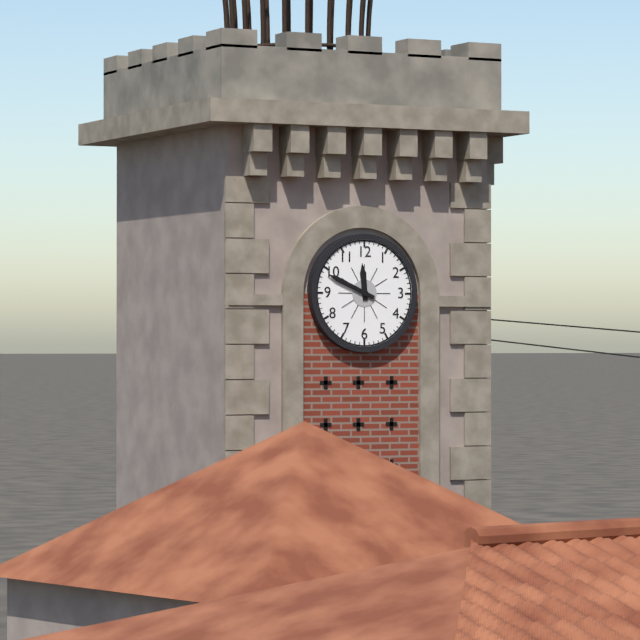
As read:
**11:49**
